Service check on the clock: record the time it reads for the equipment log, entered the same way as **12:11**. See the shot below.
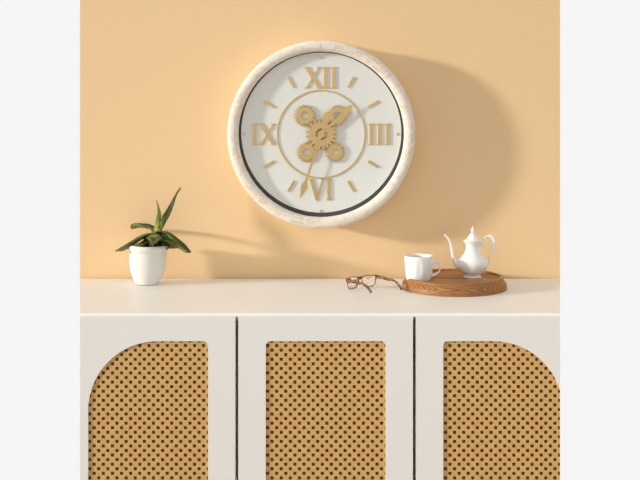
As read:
**1:33**
